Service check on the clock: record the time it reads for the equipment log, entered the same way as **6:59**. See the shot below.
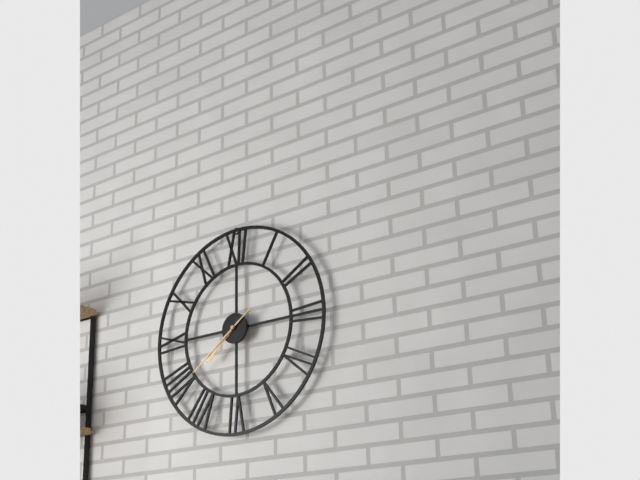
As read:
**7:39**
